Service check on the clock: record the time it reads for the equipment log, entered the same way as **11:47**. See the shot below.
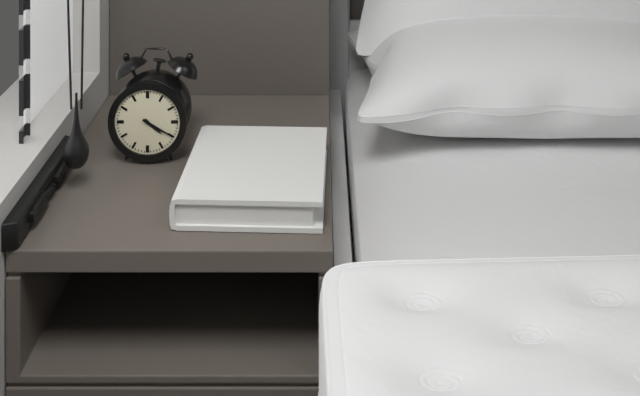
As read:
**4:20**
